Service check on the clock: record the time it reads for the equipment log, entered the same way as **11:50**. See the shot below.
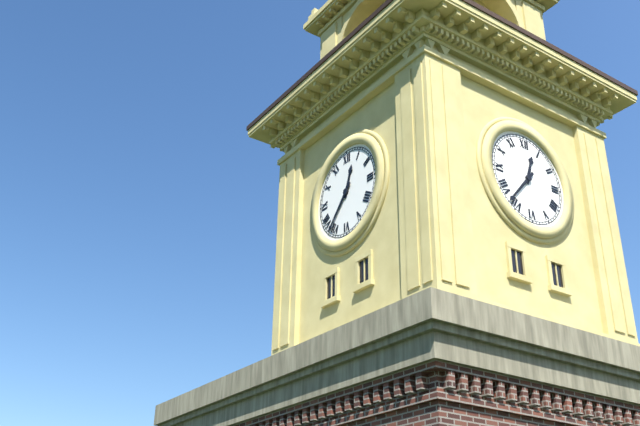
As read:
**12:37**
